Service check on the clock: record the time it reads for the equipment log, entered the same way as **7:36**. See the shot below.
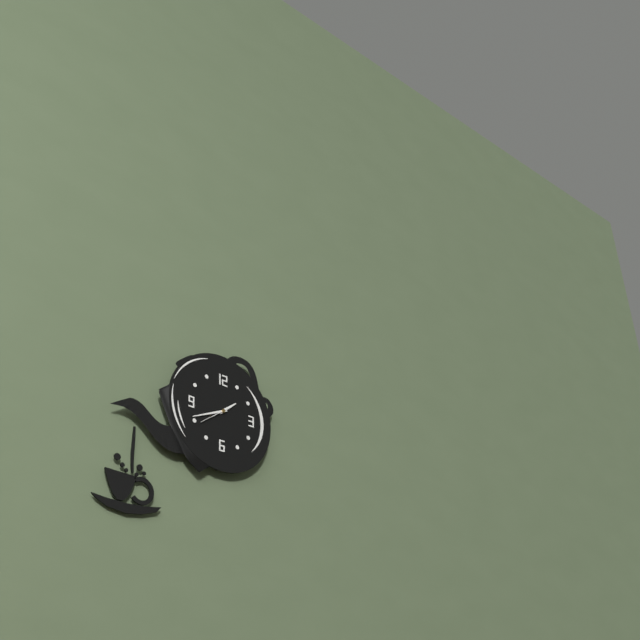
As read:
**1:41**
